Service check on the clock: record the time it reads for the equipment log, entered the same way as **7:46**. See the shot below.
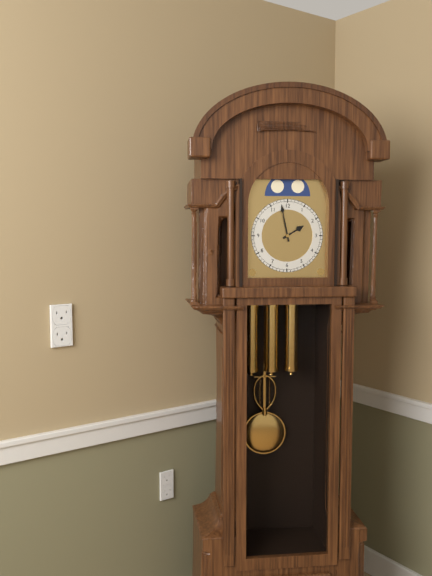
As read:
**1:58**
